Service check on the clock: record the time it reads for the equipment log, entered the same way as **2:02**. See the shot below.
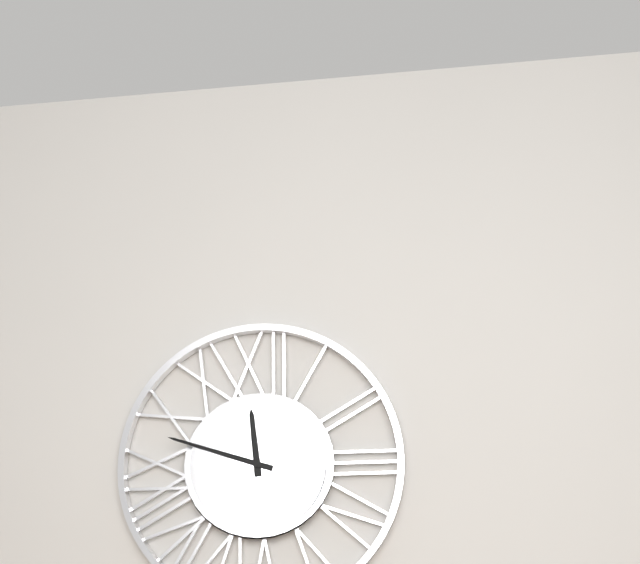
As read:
**11:48**
